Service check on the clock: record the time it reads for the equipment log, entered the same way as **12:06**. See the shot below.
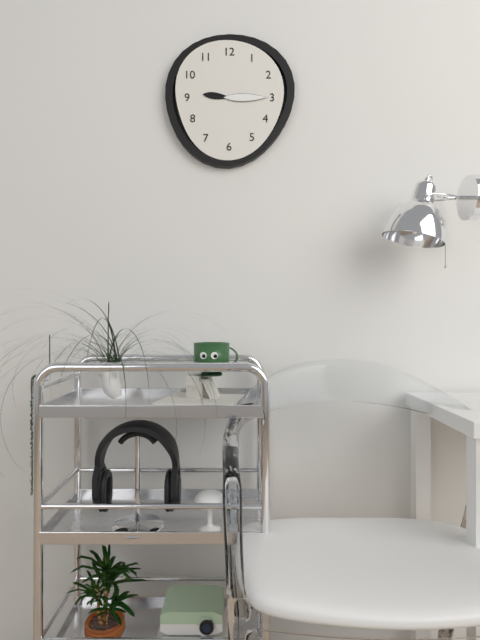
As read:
**9:15**
